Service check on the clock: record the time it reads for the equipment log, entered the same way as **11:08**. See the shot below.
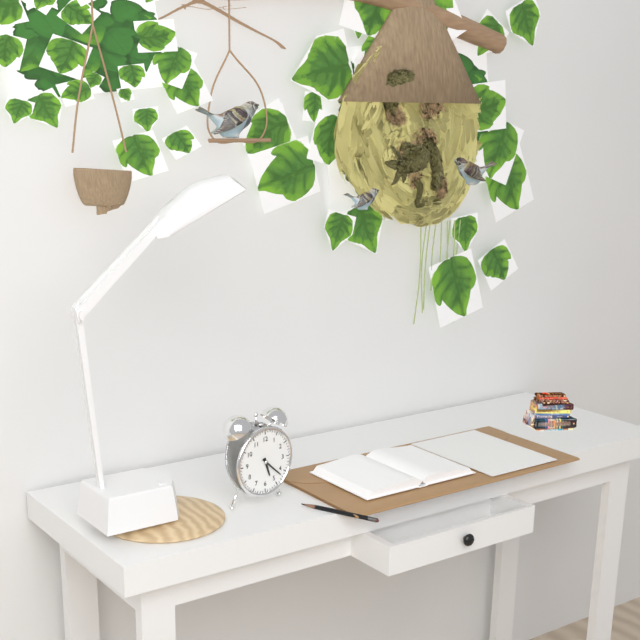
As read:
**5:22**
